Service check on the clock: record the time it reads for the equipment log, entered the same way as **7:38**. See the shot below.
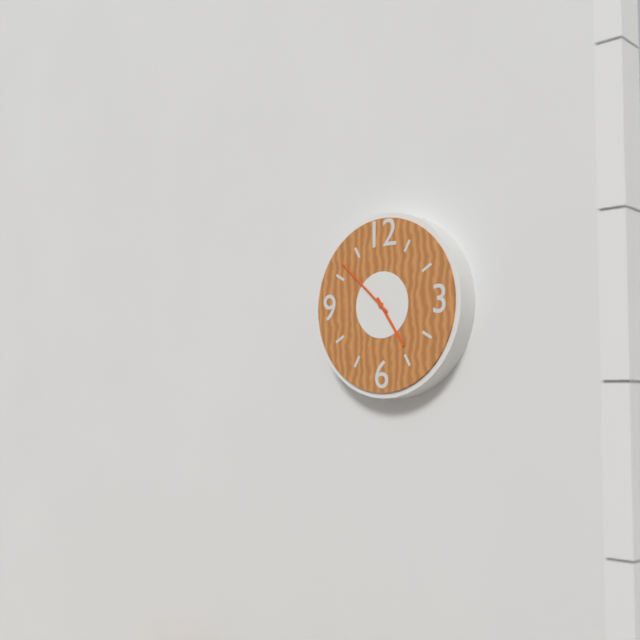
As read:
**4:52**
